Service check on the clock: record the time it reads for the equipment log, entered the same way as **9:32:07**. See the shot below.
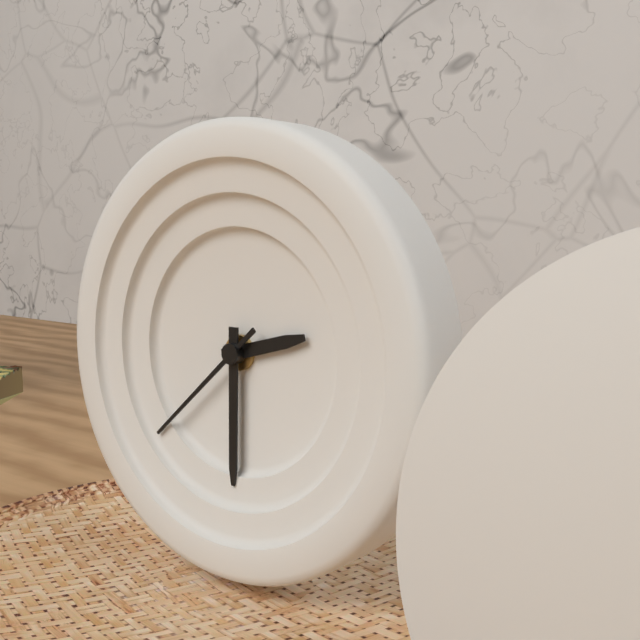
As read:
**2:30:38**
